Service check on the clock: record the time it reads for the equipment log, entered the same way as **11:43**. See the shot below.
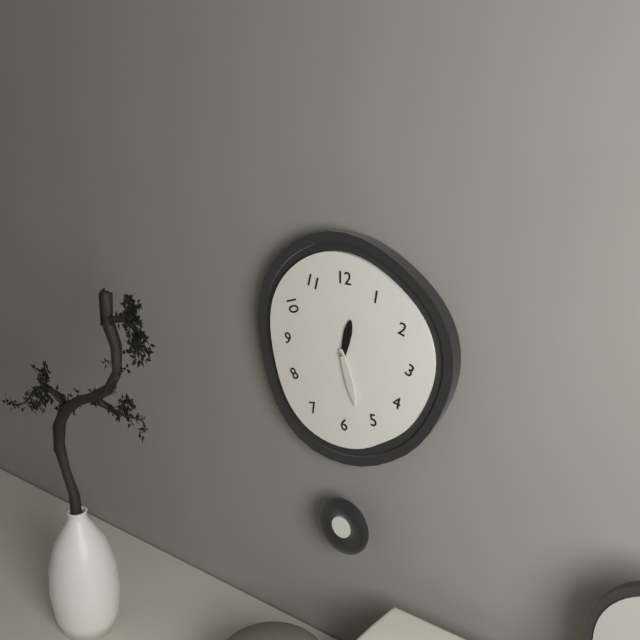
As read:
**12:27**
